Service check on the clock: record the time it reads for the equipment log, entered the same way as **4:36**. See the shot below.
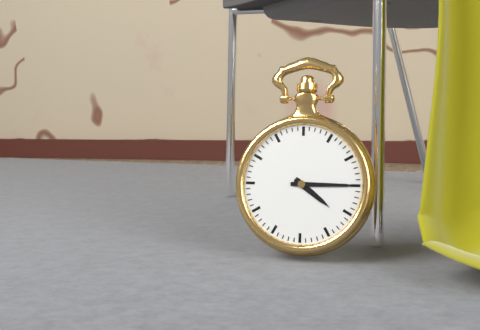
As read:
**4:15**
